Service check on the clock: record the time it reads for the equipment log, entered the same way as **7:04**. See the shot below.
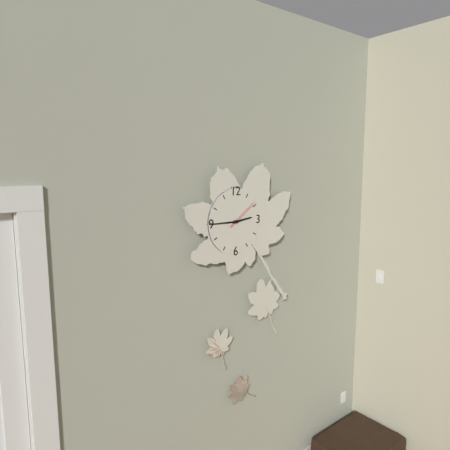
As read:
**2:45**
